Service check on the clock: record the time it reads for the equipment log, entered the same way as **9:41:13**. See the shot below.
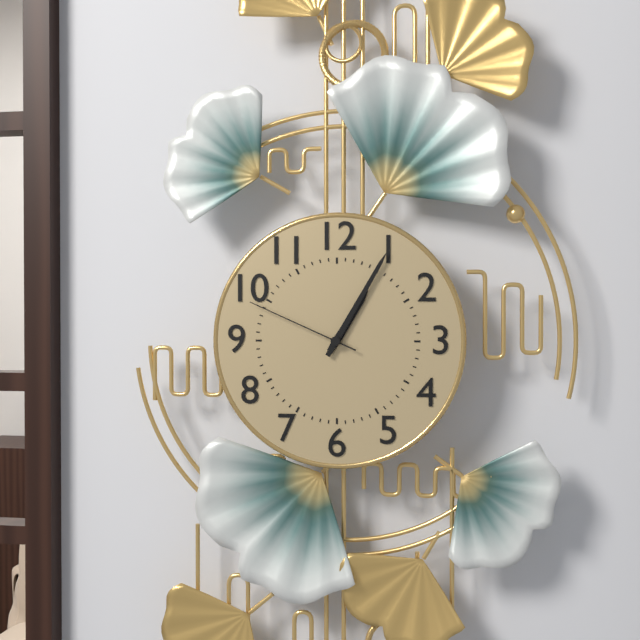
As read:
**1:05:49**
